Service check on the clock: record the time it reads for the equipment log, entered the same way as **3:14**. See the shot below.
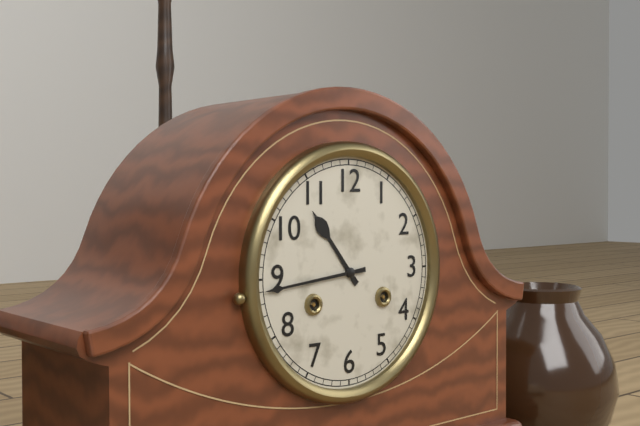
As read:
**10:44**
